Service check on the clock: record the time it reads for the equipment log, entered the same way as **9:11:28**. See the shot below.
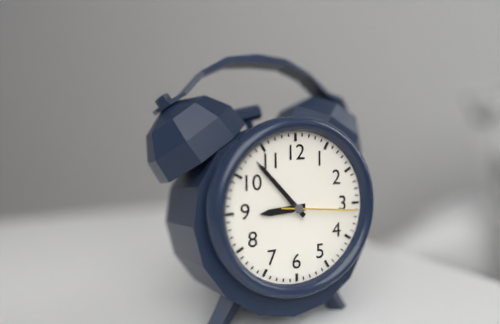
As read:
**8:53:16**
